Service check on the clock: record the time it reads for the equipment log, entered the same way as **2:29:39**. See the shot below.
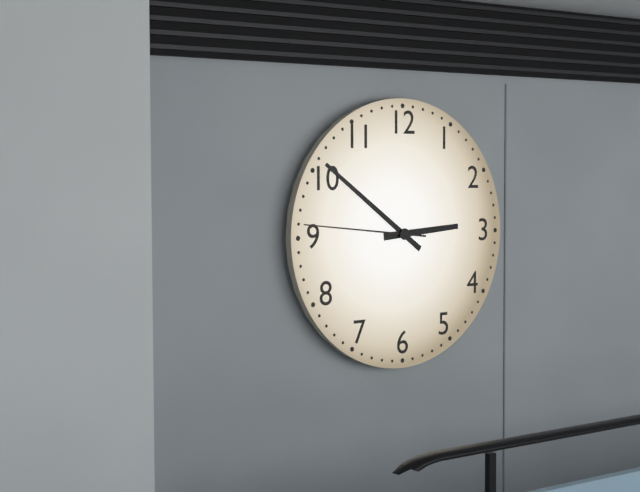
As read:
**2:51:46**
